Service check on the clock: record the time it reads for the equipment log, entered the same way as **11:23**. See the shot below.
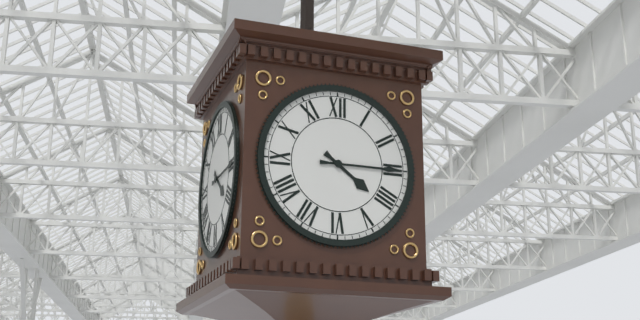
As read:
**4:15**
